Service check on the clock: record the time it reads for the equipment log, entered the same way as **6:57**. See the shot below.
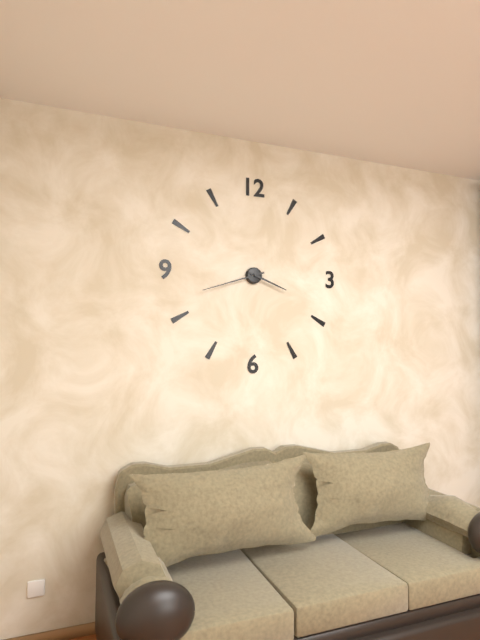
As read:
**3:42**
